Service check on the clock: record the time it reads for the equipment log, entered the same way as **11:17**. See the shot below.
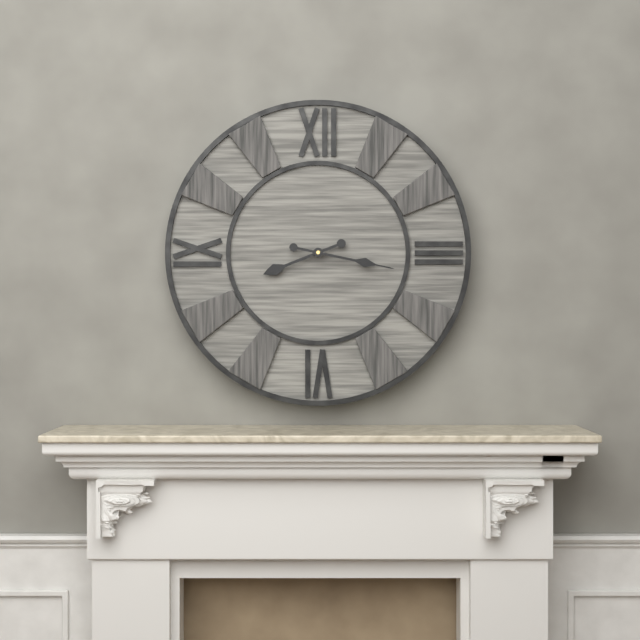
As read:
**8:17**
